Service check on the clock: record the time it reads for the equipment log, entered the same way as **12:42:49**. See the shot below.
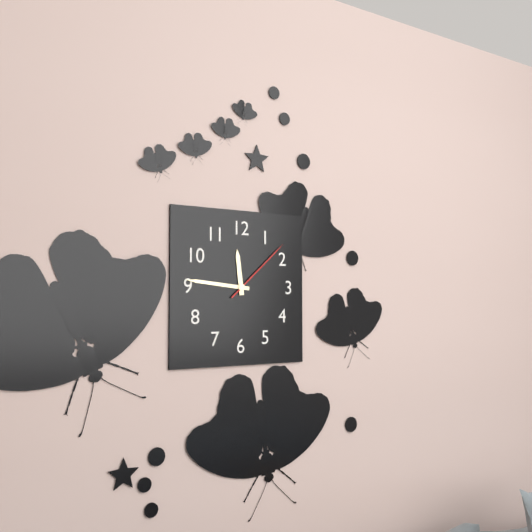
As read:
**11:46:08**
